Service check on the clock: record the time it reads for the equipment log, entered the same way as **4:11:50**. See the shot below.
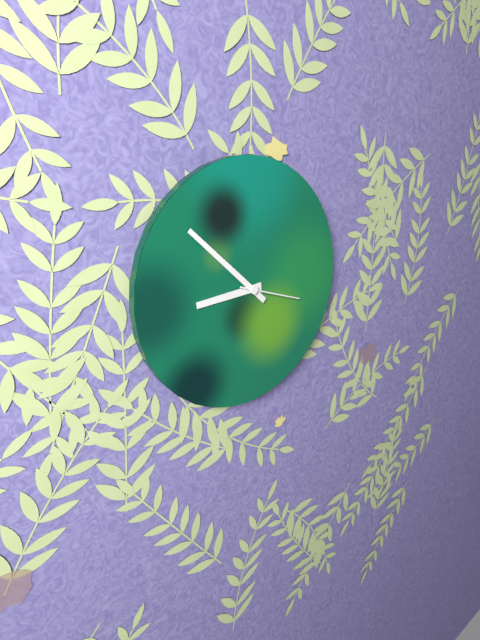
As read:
**8:52:18**
